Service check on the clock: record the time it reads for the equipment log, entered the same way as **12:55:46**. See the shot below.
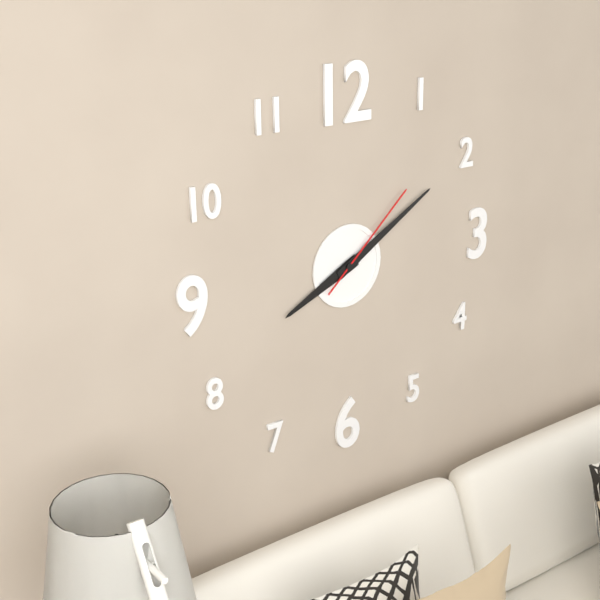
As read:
**8:10:08**
